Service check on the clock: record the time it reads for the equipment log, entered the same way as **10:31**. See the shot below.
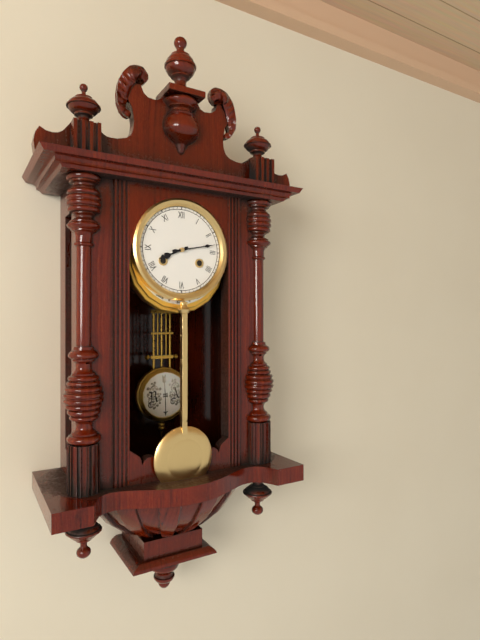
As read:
**8:13**
